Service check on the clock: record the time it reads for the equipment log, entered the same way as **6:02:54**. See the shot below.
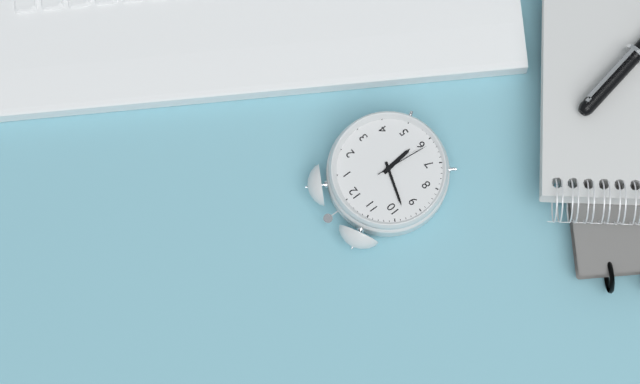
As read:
**5:48:31**
